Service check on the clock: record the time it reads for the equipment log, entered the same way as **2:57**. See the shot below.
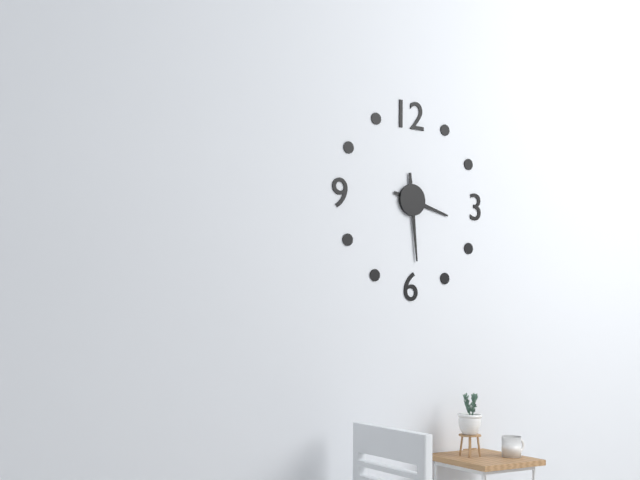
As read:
**3:29**
